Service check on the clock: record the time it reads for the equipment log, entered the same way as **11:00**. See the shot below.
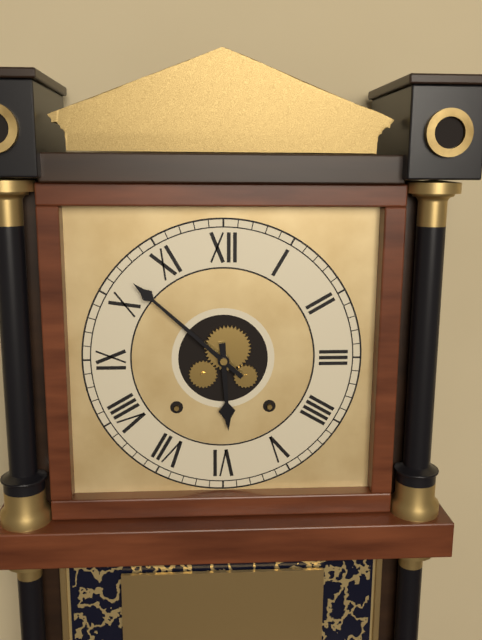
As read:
**5:52**
